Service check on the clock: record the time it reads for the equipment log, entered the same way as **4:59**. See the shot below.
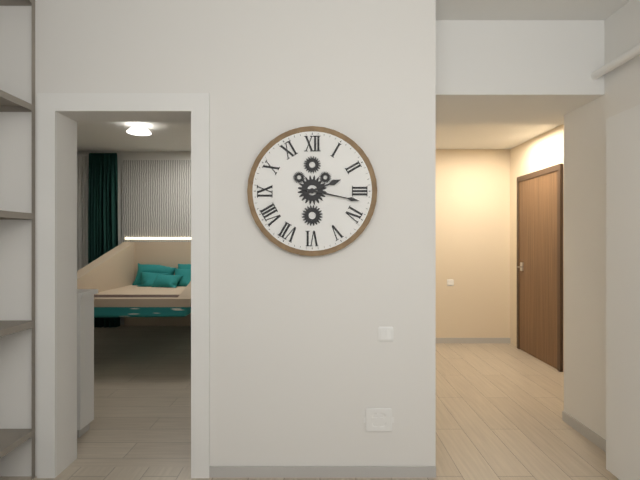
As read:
**2:17**
